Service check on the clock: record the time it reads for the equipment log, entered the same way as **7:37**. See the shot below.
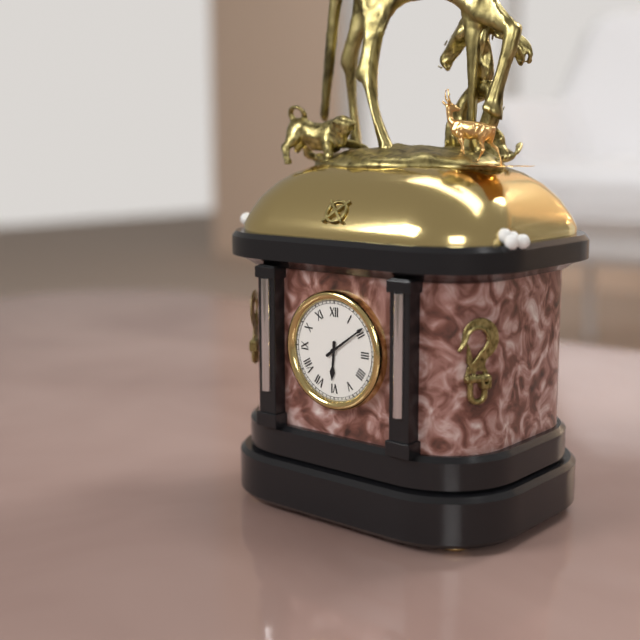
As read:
**6:09**
